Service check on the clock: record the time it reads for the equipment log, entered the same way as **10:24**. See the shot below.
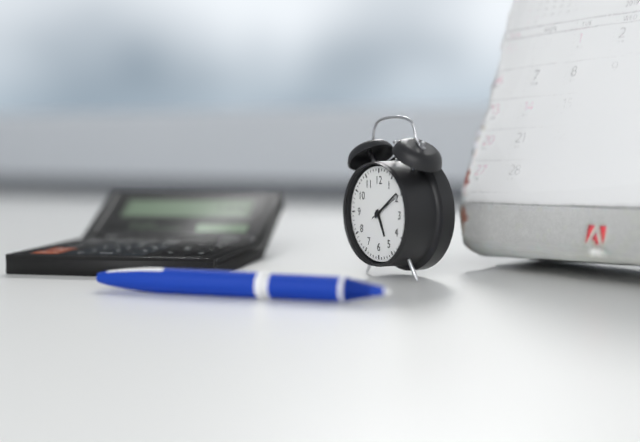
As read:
**5:09**
